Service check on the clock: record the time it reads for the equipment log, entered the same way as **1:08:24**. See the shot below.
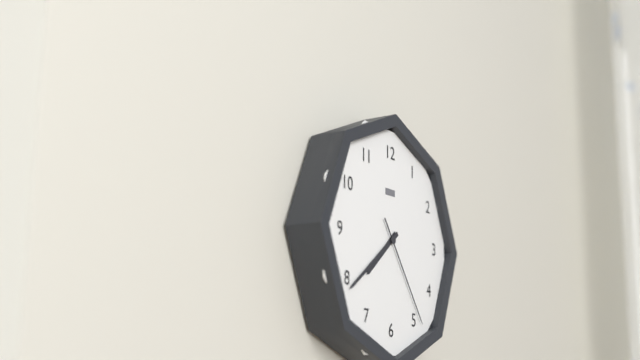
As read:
**7:39:24**
